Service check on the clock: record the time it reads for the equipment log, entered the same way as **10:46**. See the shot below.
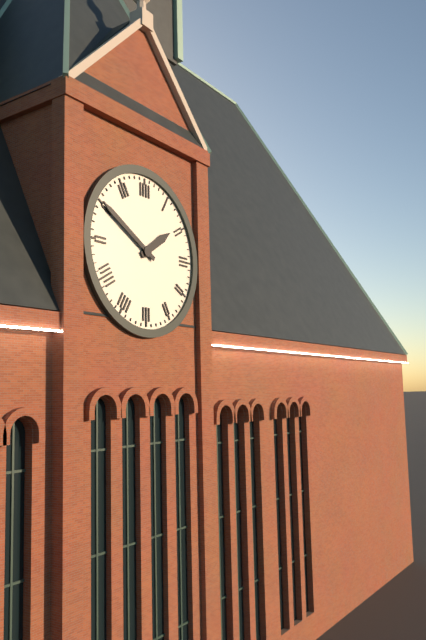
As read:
**1:50**
